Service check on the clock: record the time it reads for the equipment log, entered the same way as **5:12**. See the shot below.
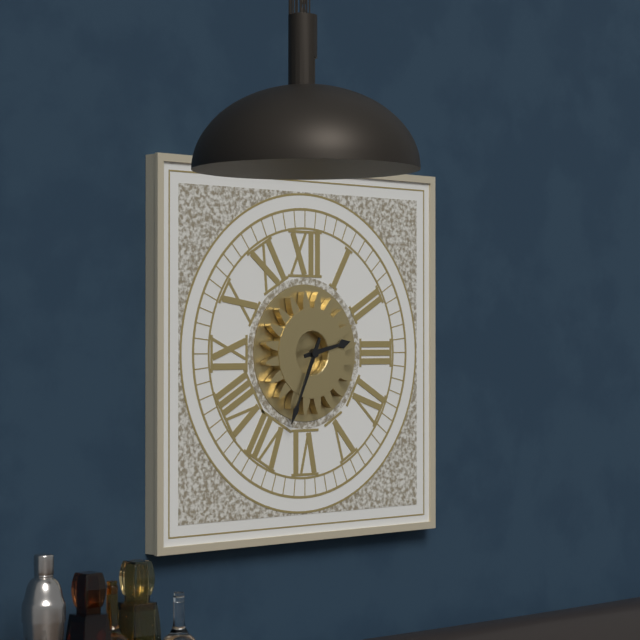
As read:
**2:34**
